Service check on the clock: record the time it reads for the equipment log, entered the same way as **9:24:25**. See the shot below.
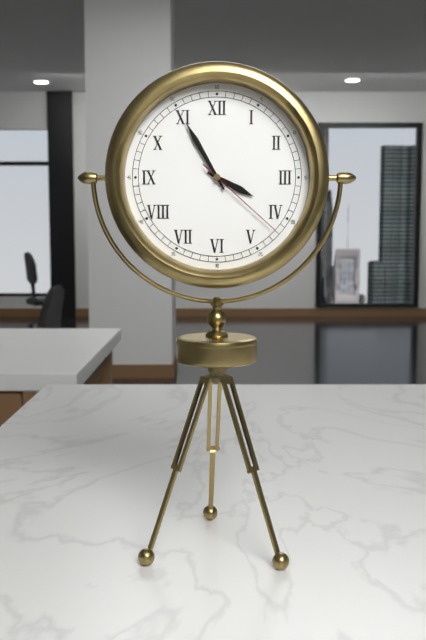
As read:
**3:55:22**
